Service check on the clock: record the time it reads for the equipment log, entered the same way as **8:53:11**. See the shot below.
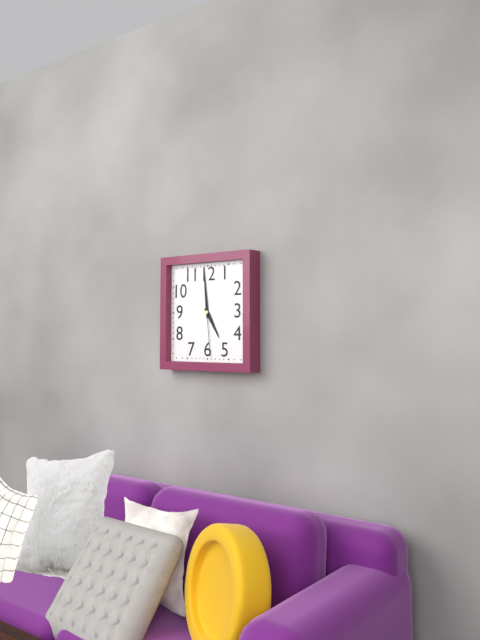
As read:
**4:59:29**
